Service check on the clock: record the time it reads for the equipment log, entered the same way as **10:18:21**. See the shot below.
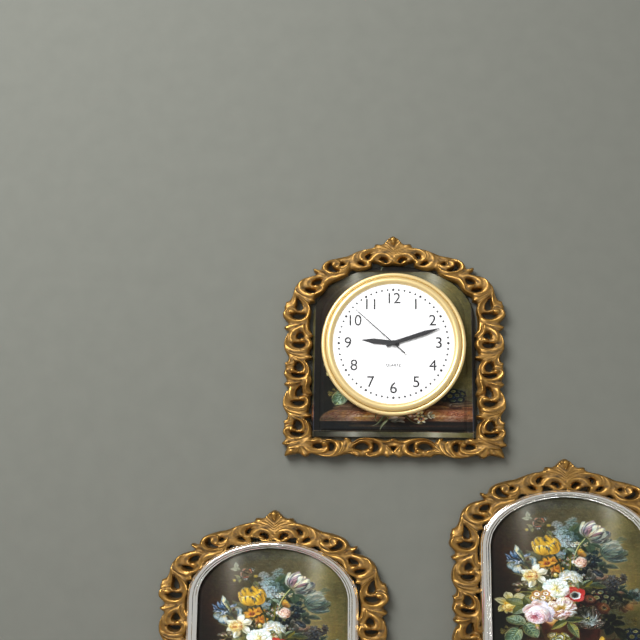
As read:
**9:12:52**
